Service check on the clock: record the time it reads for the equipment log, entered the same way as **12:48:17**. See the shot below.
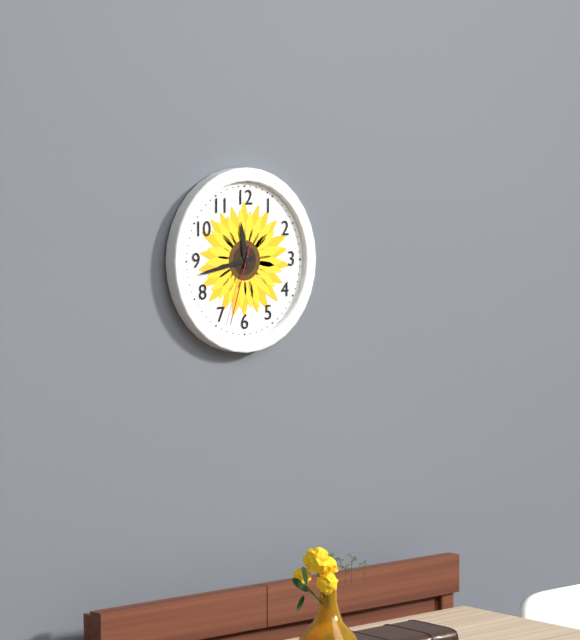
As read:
**11:43:33**
